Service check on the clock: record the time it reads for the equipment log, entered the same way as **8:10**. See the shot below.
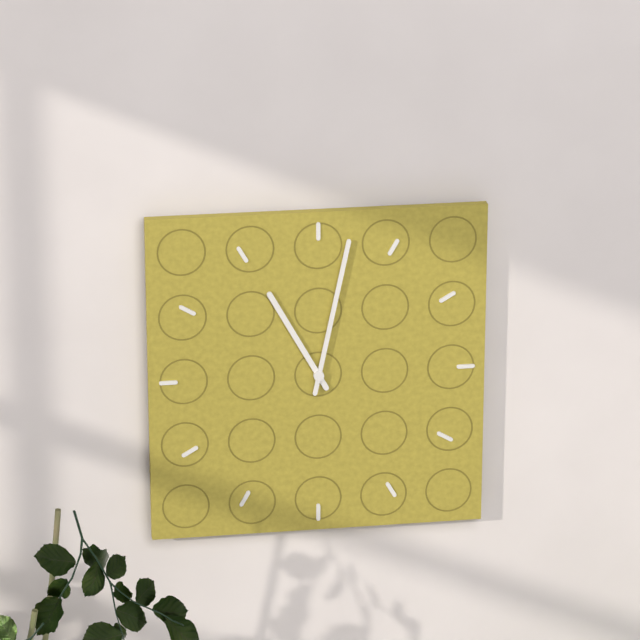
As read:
**11:02**
